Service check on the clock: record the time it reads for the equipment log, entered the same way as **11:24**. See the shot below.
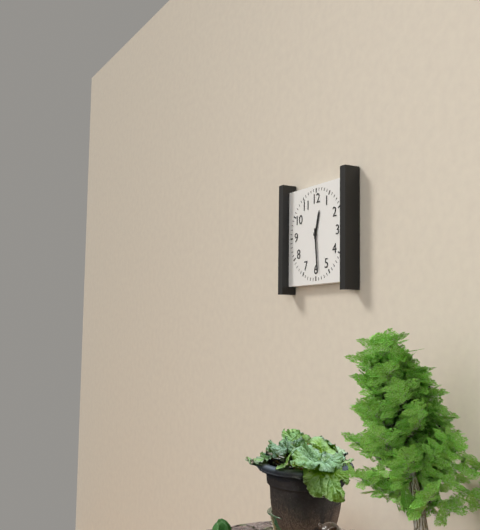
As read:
**12:29**
